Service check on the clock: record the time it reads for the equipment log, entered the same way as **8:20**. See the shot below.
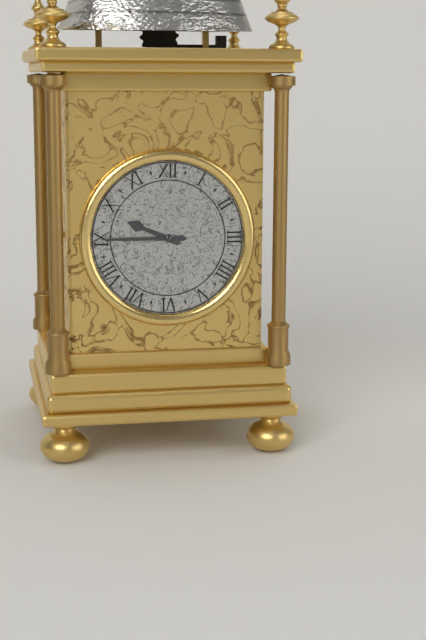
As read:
**9:45**
